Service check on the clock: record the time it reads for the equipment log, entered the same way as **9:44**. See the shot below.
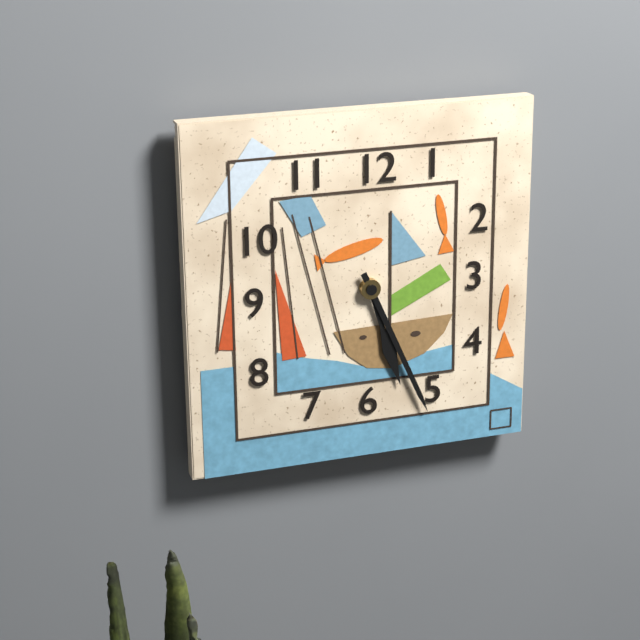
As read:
**5:26**
